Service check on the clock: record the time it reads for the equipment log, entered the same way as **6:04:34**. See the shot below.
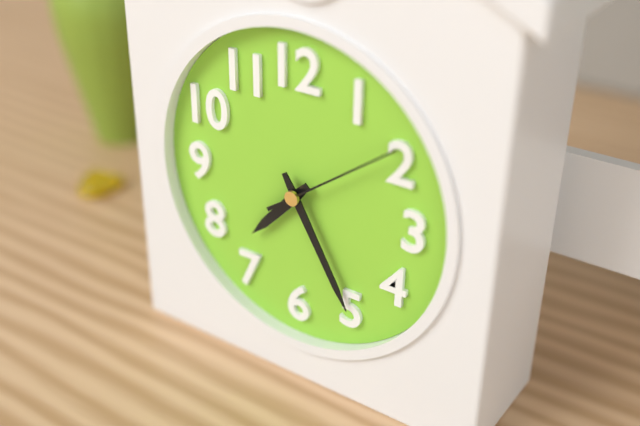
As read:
**7:25:09**
